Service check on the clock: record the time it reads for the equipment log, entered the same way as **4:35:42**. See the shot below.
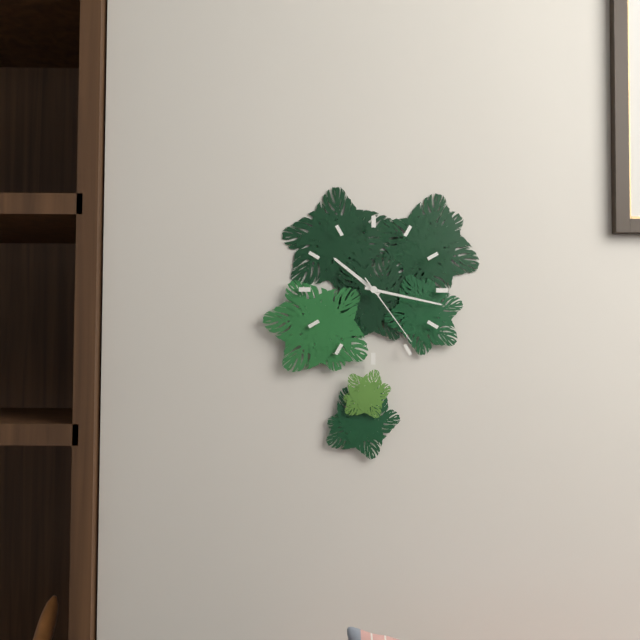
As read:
**10:17:24**
